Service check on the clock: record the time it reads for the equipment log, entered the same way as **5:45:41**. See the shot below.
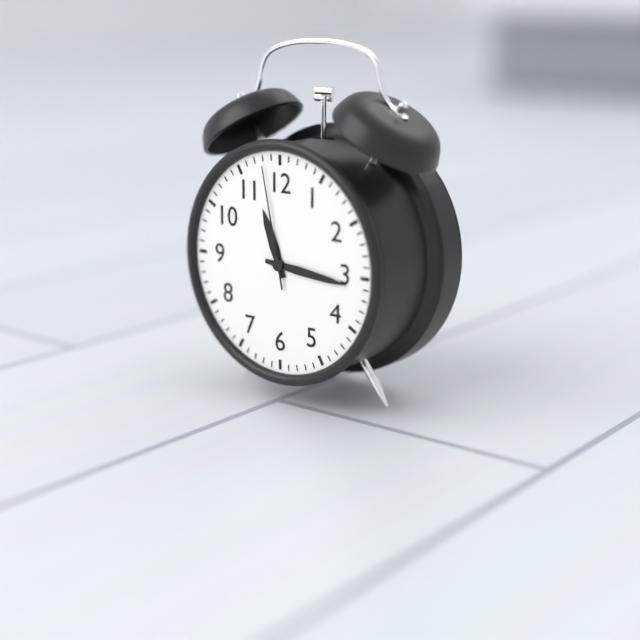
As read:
**11:16:58**
